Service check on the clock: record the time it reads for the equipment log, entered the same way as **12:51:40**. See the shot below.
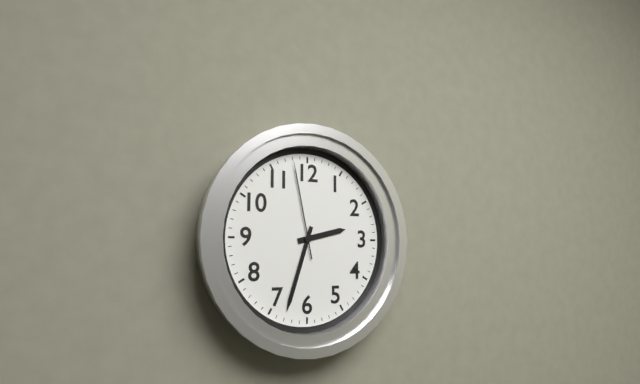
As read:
**2:33:58**
